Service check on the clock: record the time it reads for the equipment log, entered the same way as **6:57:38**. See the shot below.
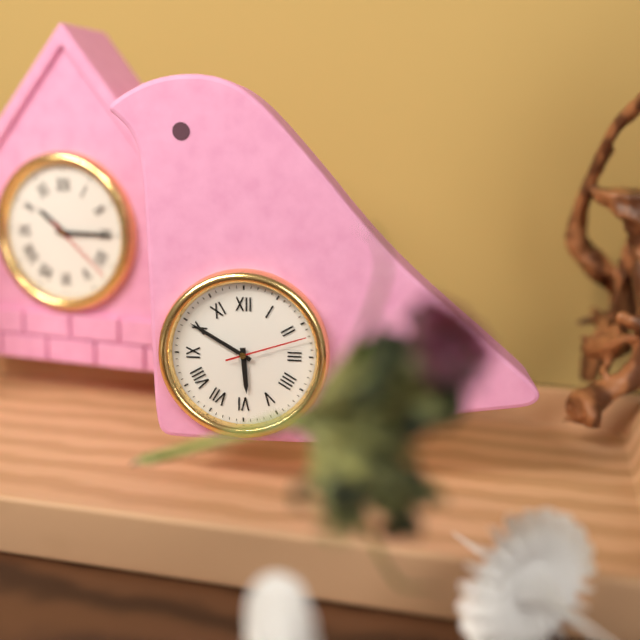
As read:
**5:50:12**
